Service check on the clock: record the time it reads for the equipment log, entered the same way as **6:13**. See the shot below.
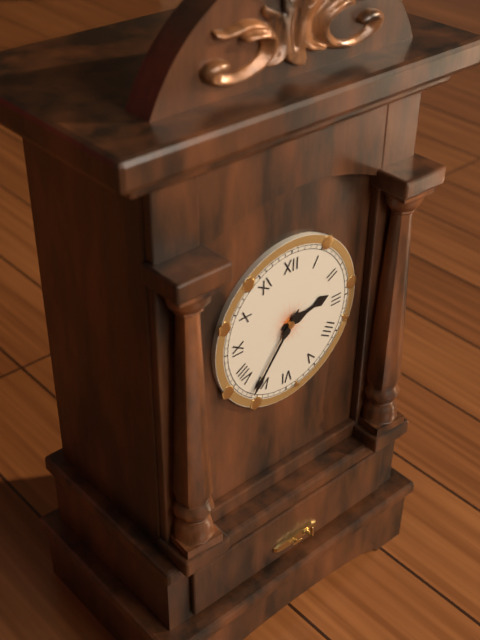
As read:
**2:36**
